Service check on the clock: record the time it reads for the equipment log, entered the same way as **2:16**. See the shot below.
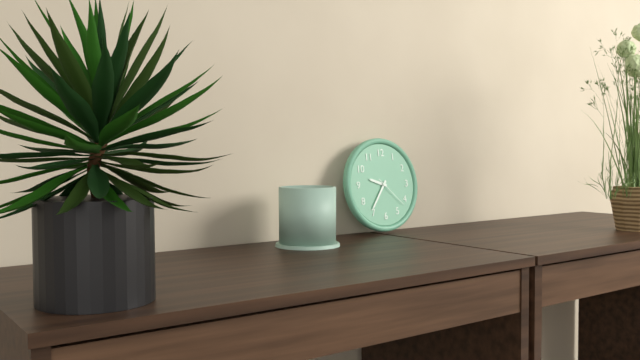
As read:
**9:36**
